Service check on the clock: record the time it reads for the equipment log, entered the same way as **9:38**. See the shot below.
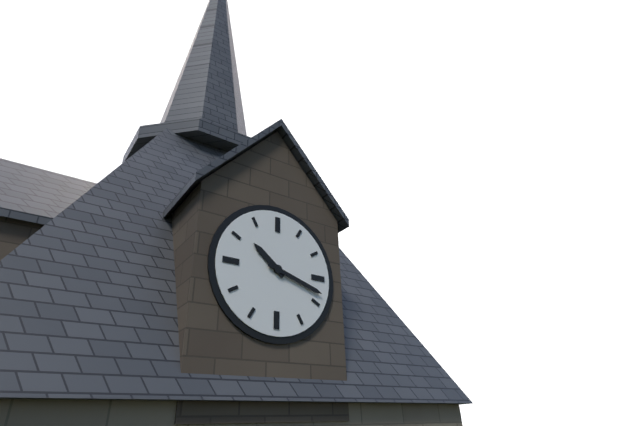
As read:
**10:18**
